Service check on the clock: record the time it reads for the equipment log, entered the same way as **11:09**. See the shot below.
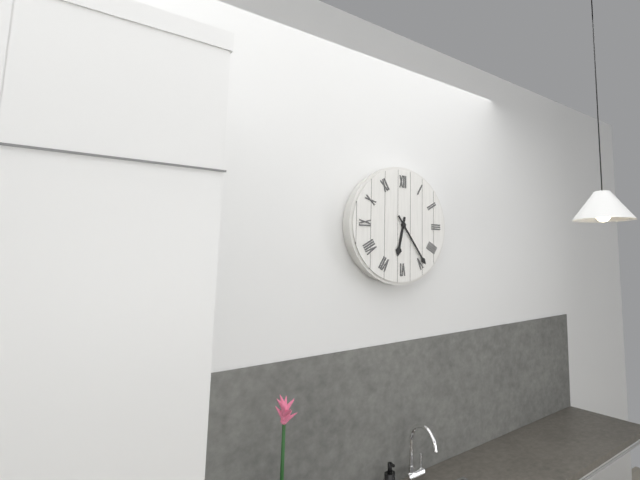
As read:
**6:24**
